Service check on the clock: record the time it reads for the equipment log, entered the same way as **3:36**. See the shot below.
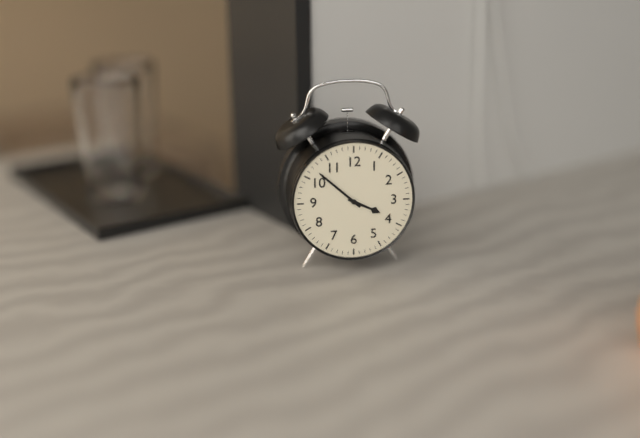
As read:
**3:52**
